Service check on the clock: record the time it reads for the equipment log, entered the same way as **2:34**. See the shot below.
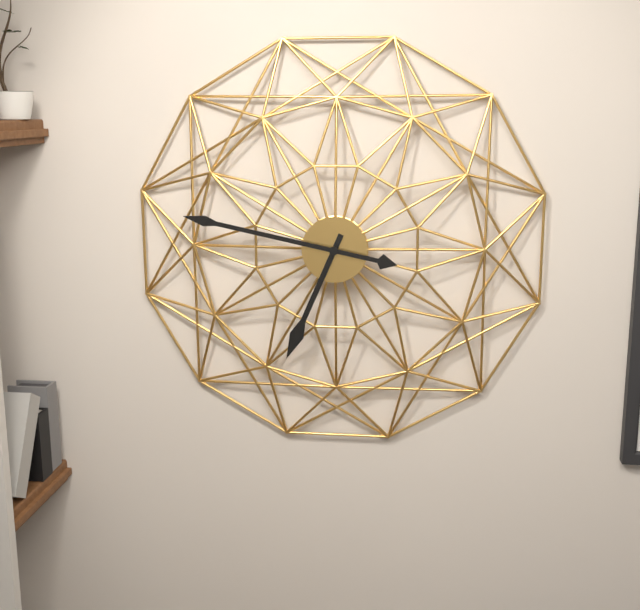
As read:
**6:47**
